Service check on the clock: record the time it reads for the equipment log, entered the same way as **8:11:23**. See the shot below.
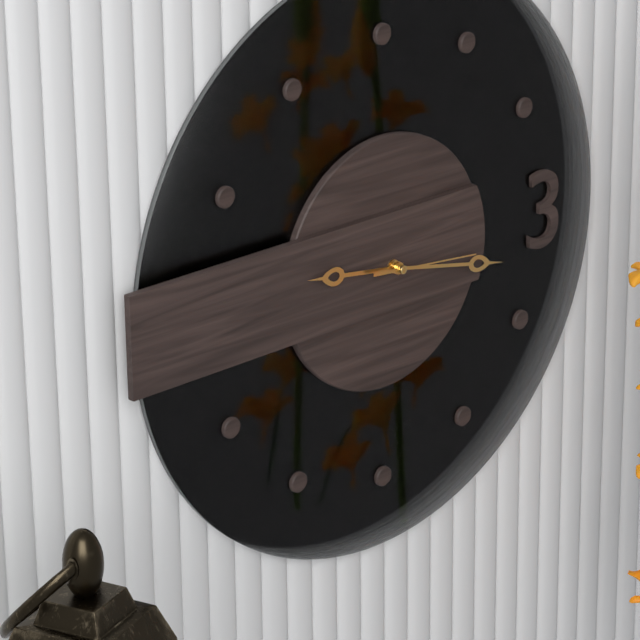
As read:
**9:17:16**
